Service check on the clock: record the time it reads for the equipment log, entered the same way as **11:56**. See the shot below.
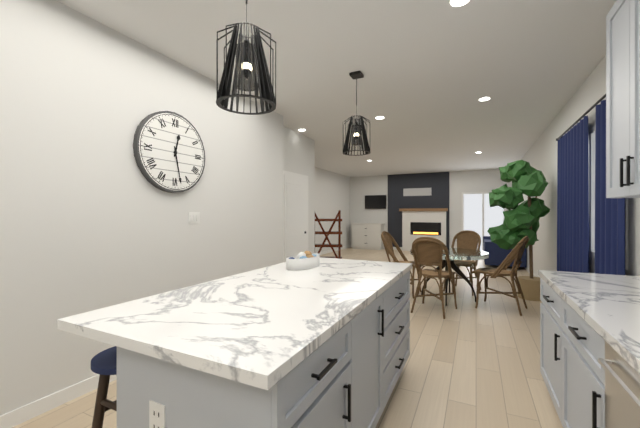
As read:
**12:28**
